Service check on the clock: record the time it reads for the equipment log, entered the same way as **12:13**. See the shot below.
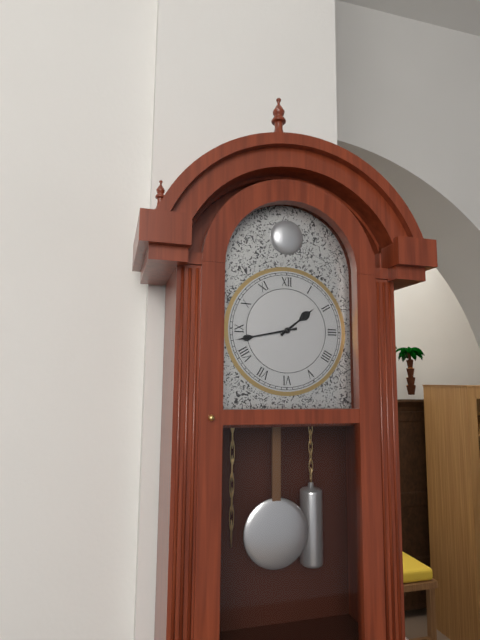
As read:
**1:43**
